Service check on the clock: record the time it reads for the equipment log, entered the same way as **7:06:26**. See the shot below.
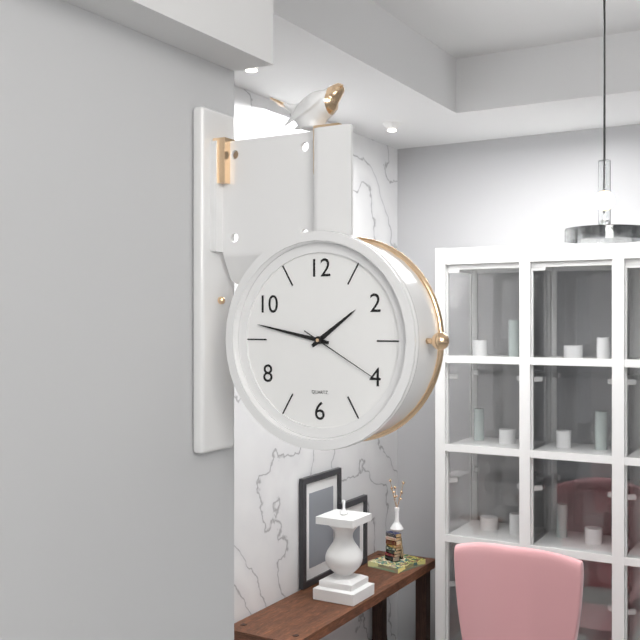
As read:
**1:47:20**
